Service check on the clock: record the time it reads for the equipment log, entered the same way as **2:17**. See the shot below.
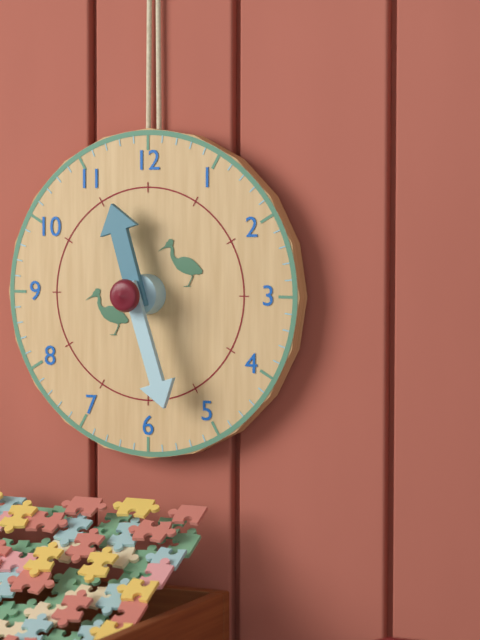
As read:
**11:27**
